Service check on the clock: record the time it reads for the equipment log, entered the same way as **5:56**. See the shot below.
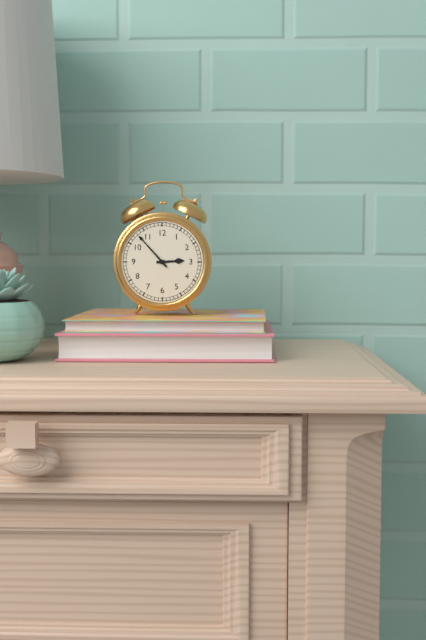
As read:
**2:53**
